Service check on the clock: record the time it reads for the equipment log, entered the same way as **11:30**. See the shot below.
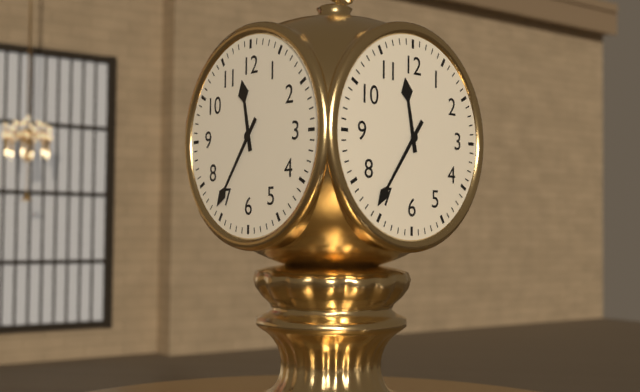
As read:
**11:36**
